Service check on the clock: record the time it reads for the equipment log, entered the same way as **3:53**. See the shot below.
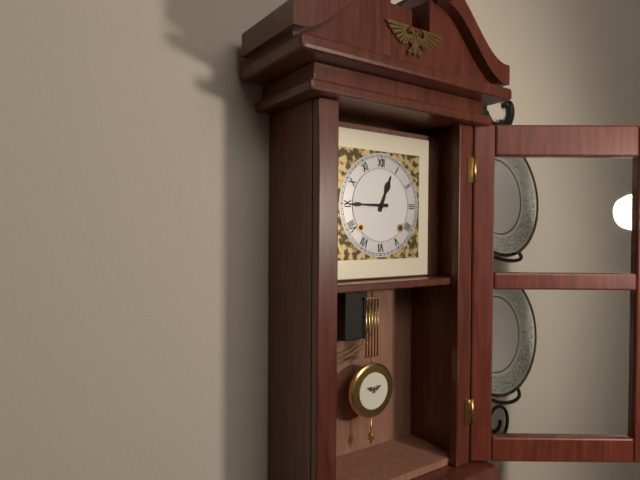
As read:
**12:45**
